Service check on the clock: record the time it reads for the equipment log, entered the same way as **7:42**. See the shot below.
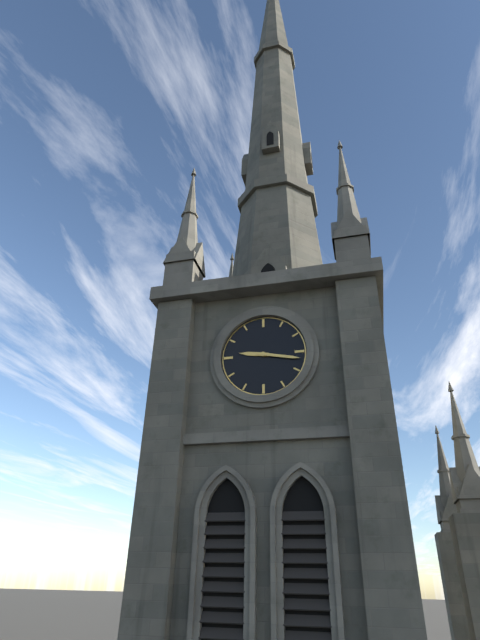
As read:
**9:17**
